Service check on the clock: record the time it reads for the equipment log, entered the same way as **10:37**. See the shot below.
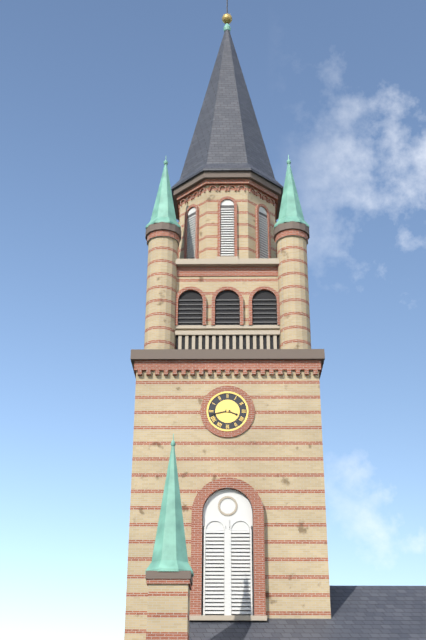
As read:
**3:43**
